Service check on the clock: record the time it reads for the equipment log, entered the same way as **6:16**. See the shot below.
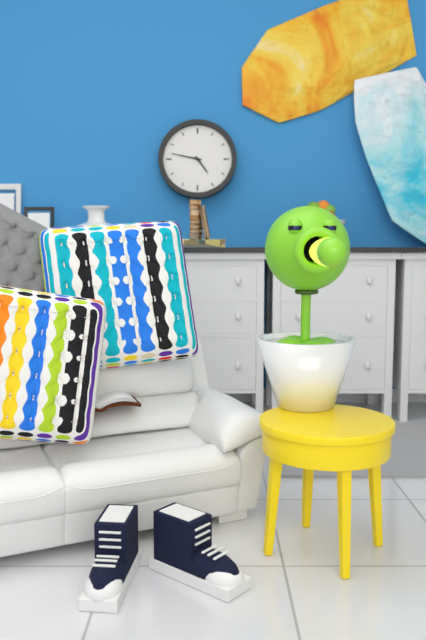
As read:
**4:47**
